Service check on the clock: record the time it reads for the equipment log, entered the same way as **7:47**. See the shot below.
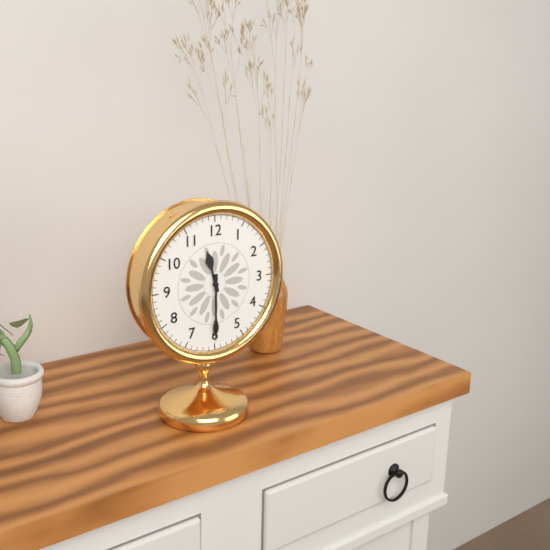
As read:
**11:30**
